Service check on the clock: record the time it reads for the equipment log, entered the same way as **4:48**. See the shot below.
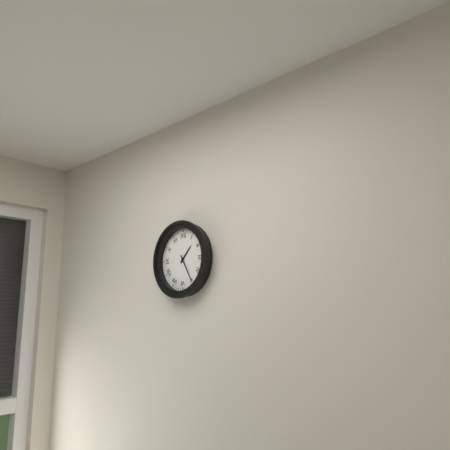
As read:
**1:25**
